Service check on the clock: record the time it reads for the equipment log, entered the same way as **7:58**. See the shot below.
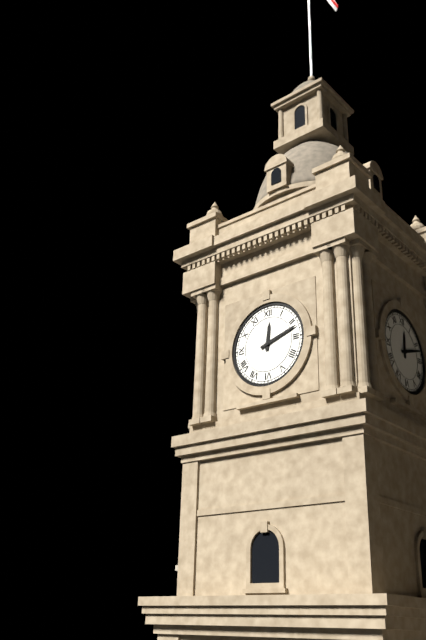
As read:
**12:12**
